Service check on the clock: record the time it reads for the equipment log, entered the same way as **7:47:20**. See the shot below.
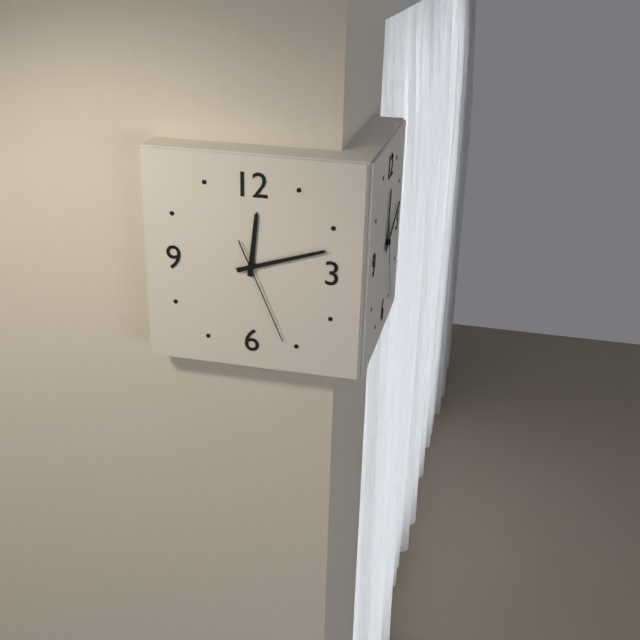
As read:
**12:12:26**
